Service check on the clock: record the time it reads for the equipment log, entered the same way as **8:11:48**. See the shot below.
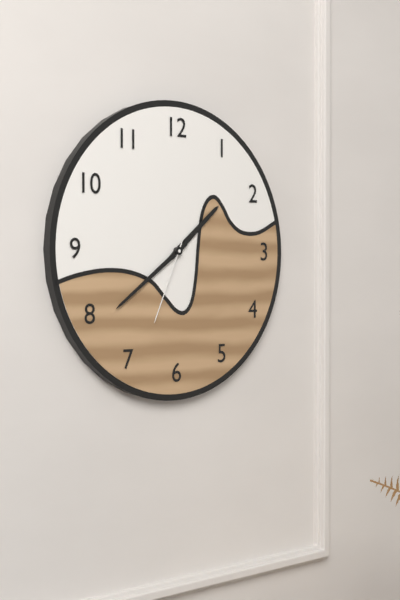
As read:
**1:39:34**
